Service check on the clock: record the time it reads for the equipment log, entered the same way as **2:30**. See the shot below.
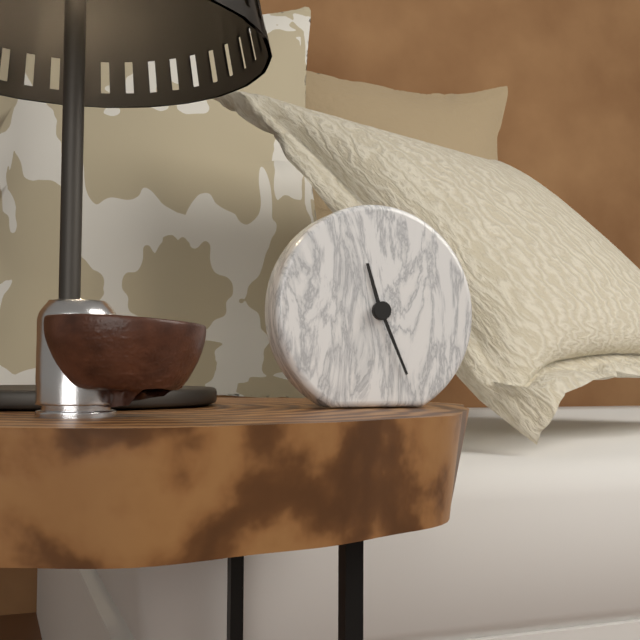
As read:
**11:26**
